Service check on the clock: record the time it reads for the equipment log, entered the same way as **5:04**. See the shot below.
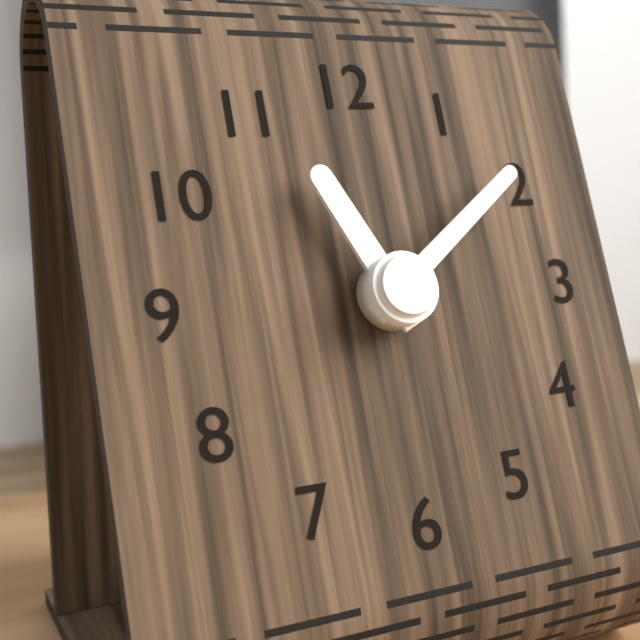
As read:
**11:09**
